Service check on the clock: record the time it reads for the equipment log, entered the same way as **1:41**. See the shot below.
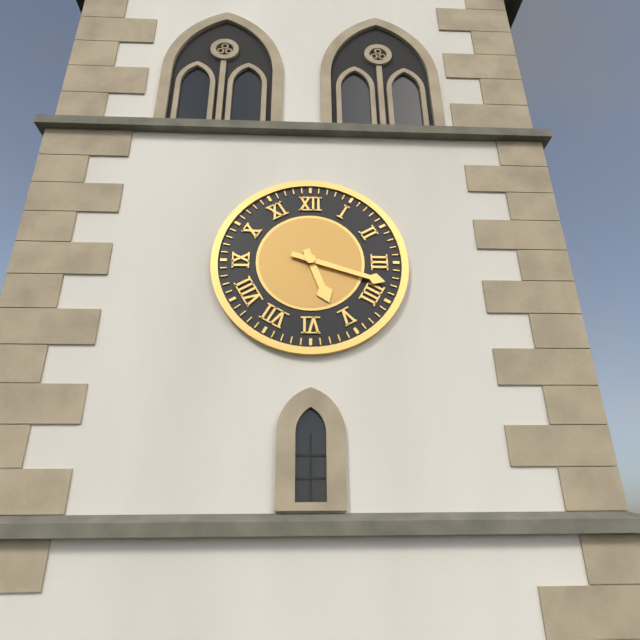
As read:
**5:18**
